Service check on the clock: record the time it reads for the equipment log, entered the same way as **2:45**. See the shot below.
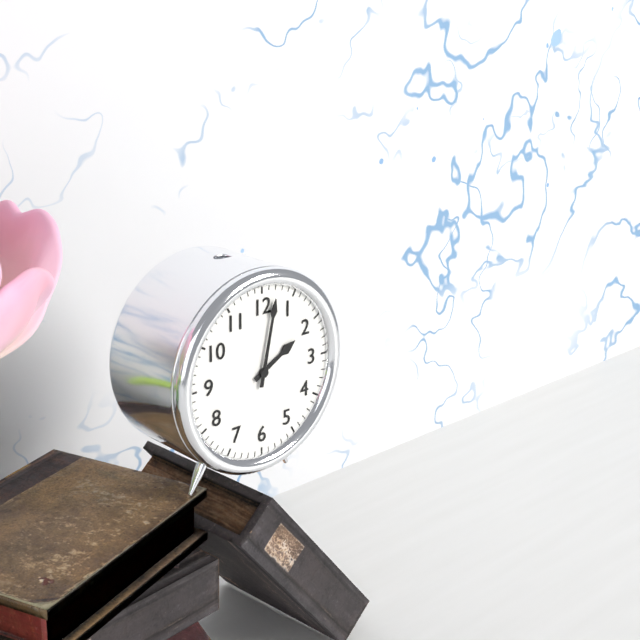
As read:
**2:02**
